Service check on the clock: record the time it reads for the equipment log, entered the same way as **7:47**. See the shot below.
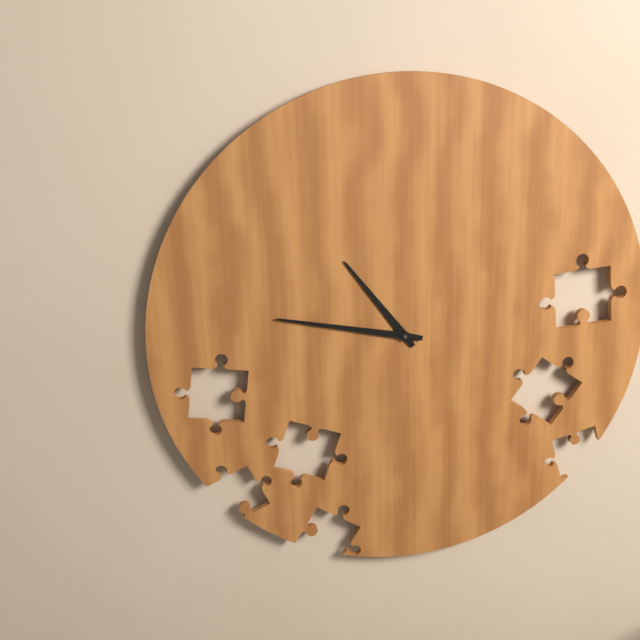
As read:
**10:47**
